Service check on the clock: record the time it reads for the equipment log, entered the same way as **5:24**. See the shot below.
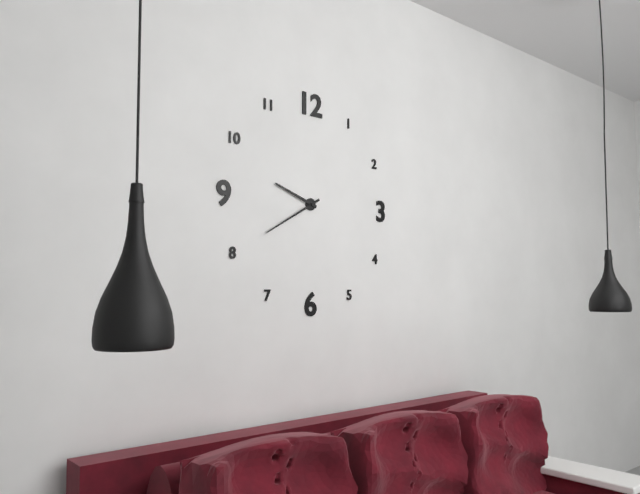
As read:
**9:40**
